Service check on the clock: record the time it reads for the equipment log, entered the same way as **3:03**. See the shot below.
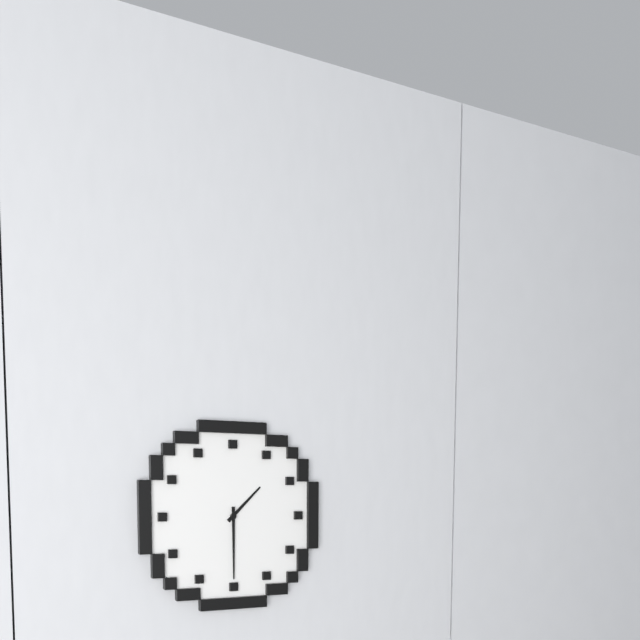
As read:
**1:30**
